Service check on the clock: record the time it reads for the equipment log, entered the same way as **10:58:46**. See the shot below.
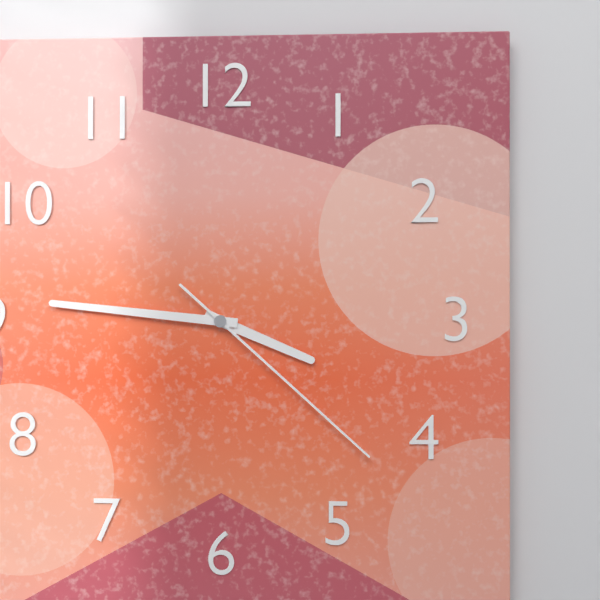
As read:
**3:46:22**
